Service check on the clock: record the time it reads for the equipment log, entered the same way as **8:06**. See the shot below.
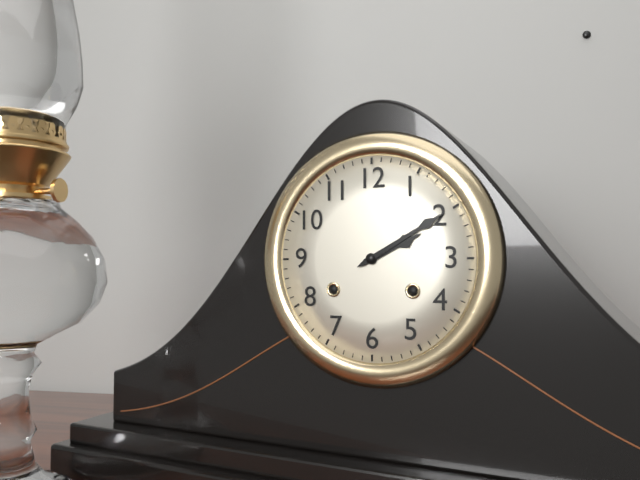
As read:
**2:10**
